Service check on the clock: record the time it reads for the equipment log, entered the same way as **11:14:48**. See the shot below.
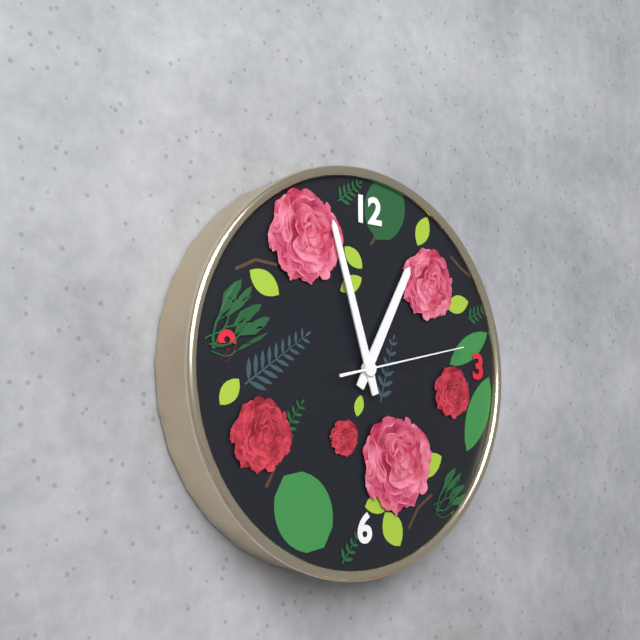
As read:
**12:57:13**
